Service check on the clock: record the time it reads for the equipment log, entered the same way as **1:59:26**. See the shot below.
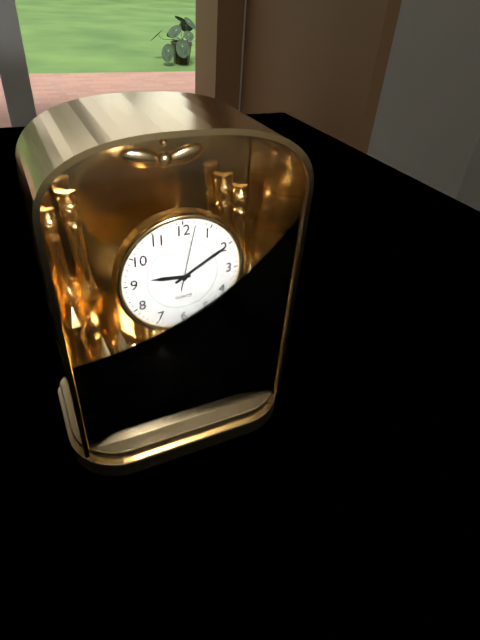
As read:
**9:10:02**
